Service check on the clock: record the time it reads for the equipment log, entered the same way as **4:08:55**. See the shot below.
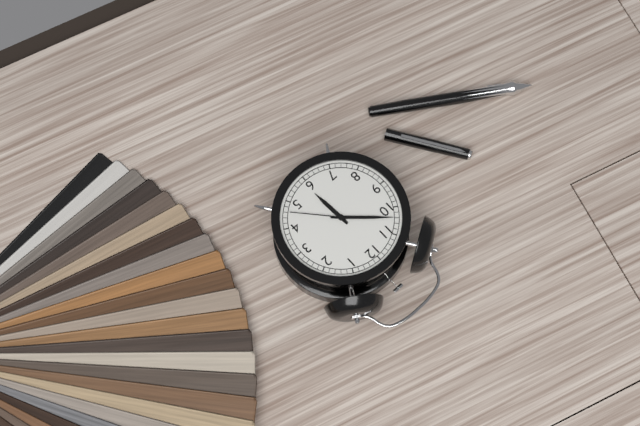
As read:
**5:52:23**
